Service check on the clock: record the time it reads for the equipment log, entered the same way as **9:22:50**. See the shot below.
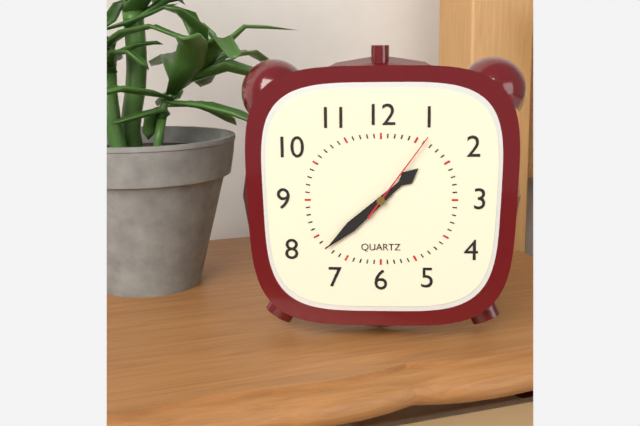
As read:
**1:38:06**
